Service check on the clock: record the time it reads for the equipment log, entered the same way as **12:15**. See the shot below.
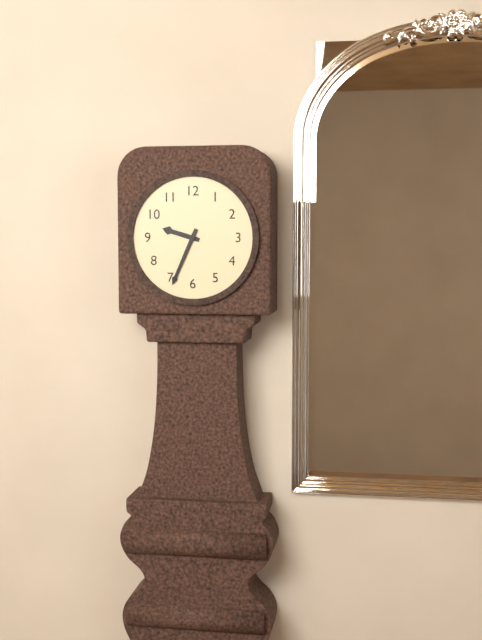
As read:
**9:34**
